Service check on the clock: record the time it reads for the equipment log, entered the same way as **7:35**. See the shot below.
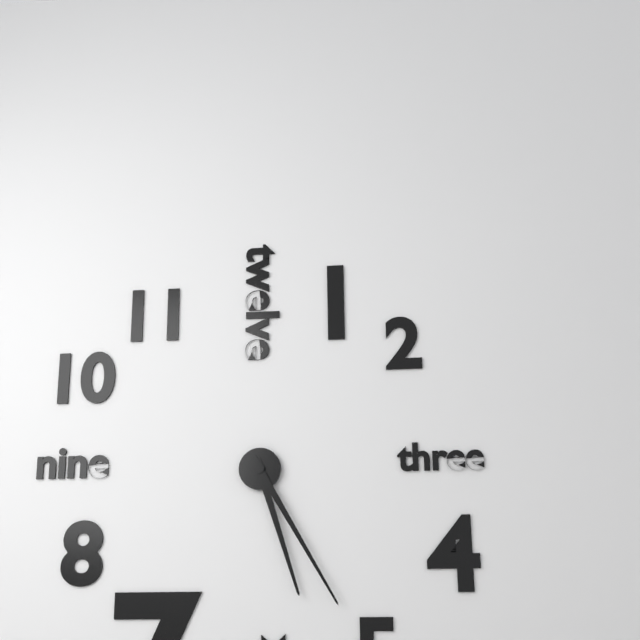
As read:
**5:25**
